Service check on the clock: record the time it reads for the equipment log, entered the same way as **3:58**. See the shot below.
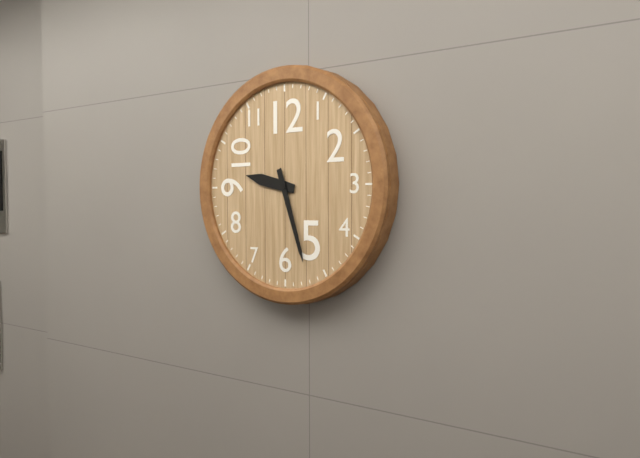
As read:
**9:27**
